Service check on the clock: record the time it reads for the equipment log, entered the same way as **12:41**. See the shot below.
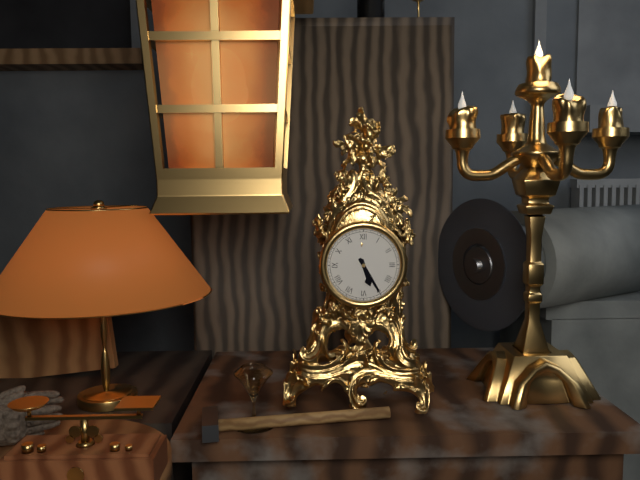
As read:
**5:25**
